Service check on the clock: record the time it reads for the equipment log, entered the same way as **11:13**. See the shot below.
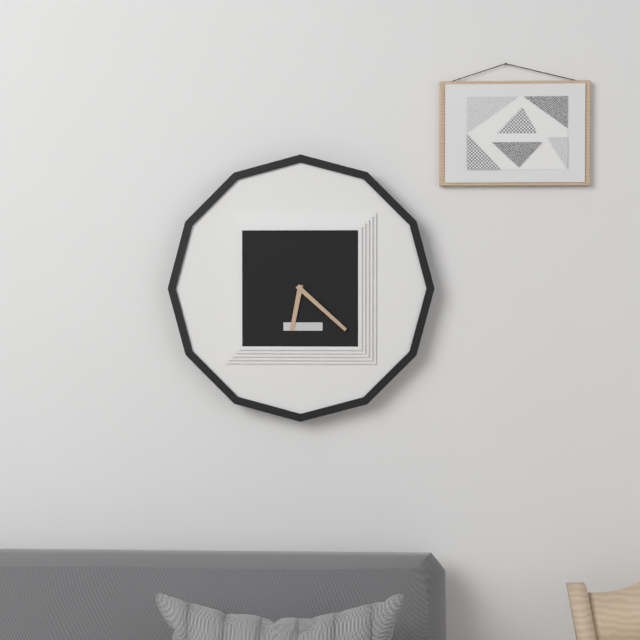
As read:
**6:22**
